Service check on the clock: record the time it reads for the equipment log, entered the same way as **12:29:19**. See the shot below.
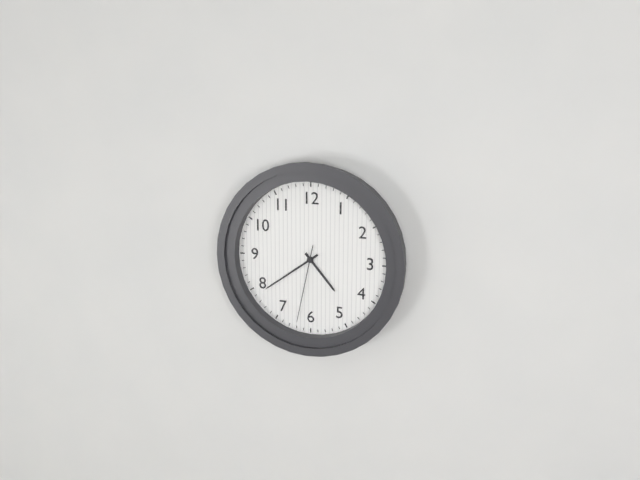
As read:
**4:39:32**
